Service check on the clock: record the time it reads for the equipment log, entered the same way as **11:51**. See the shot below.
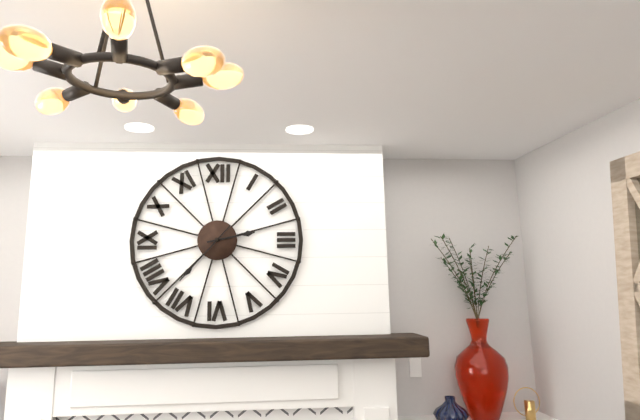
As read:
**2:37**
